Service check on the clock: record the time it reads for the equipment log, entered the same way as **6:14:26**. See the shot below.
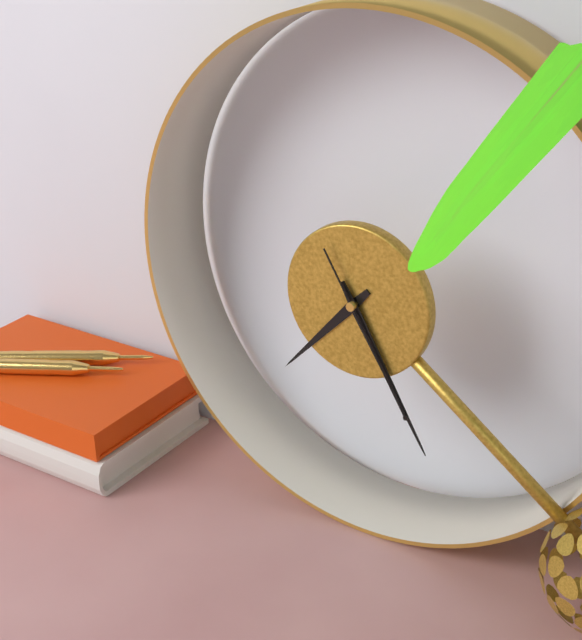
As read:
**7:25:25**
